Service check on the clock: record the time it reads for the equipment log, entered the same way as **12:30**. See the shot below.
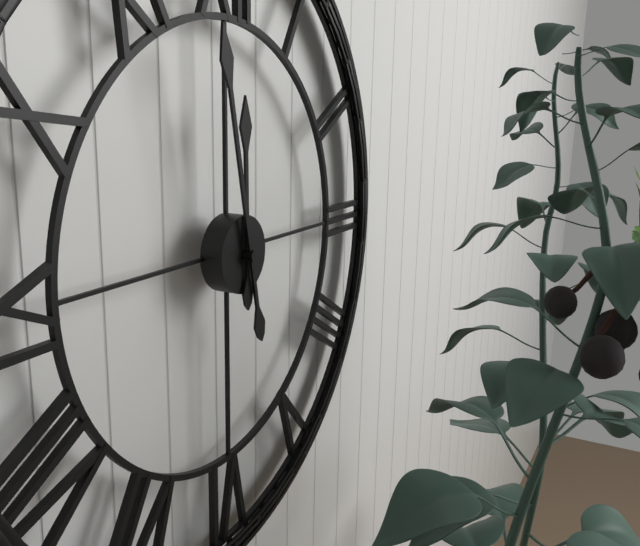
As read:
**11:58**
